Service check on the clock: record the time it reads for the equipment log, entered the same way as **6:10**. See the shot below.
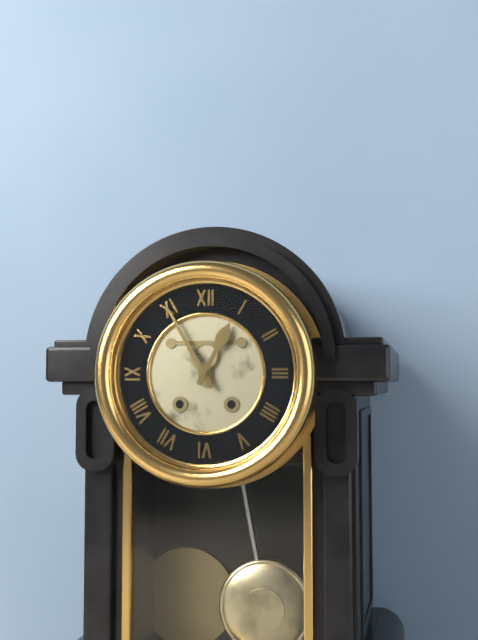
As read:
**12:55**
